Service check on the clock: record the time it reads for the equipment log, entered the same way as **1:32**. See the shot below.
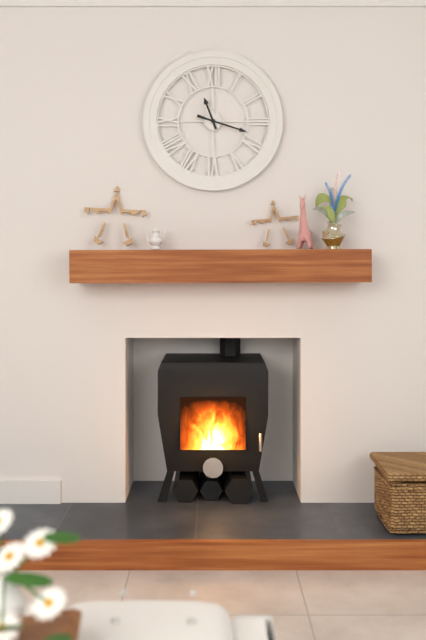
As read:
**11:18**
